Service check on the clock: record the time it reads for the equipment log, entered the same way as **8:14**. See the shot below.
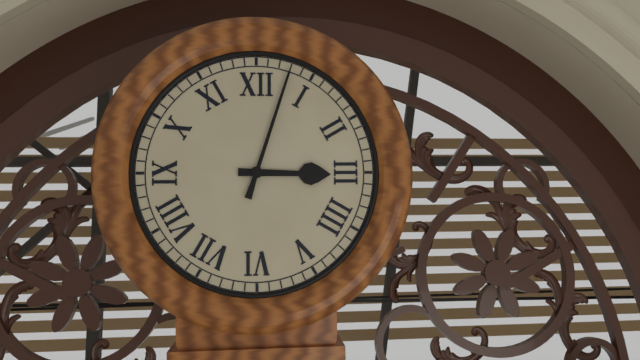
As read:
**3:03**
